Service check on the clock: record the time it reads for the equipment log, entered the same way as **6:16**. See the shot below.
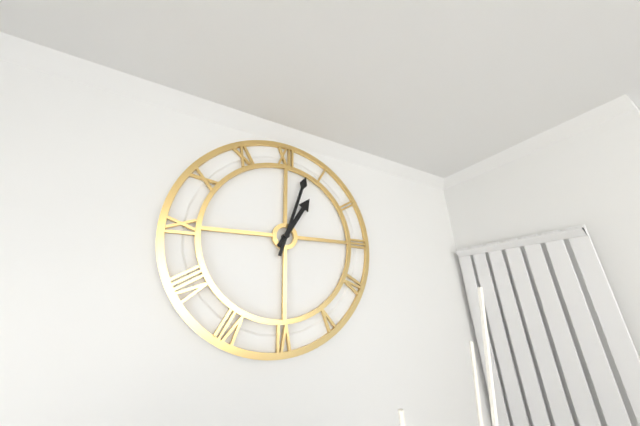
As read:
**1:03**
